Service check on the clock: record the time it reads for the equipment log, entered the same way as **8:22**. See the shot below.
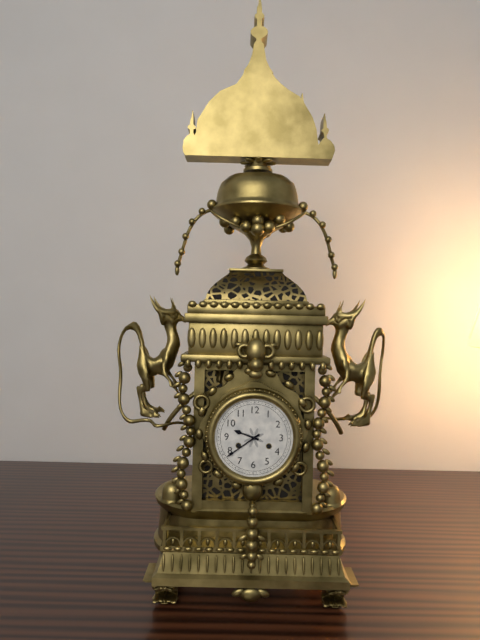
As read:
**9:39**
